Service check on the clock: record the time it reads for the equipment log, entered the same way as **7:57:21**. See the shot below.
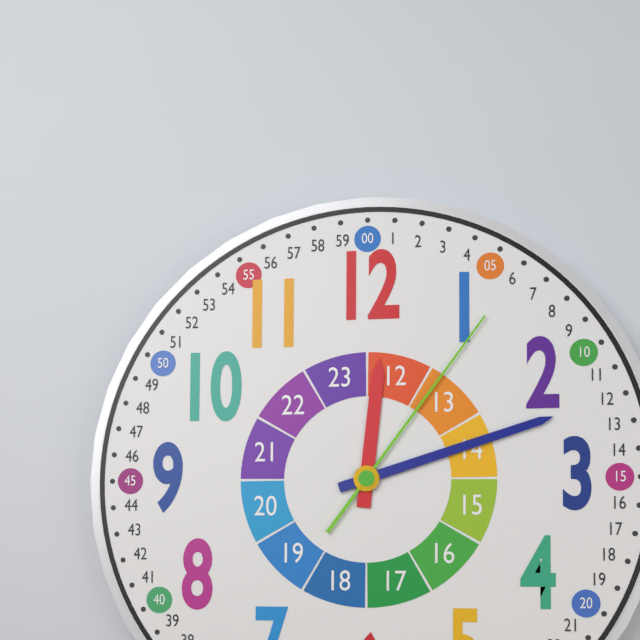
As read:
**12:12:06**
